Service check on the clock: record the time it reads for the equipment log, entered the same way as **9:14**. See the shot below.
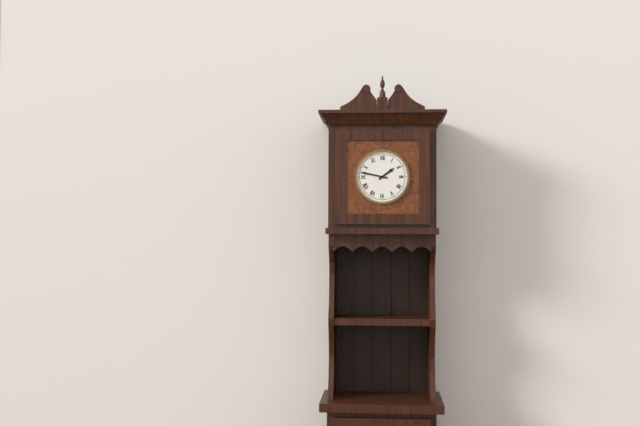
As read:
**1:47**
